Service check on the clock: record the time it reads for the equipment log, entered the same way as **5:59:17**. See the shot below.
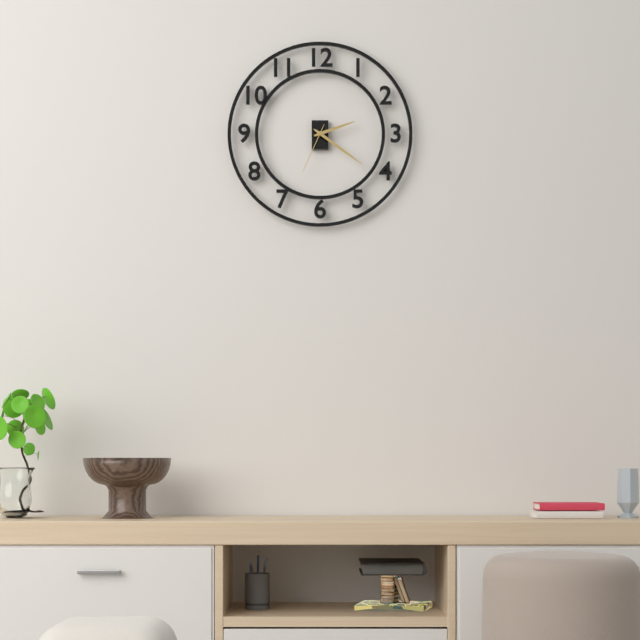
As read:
**2:21:34**
